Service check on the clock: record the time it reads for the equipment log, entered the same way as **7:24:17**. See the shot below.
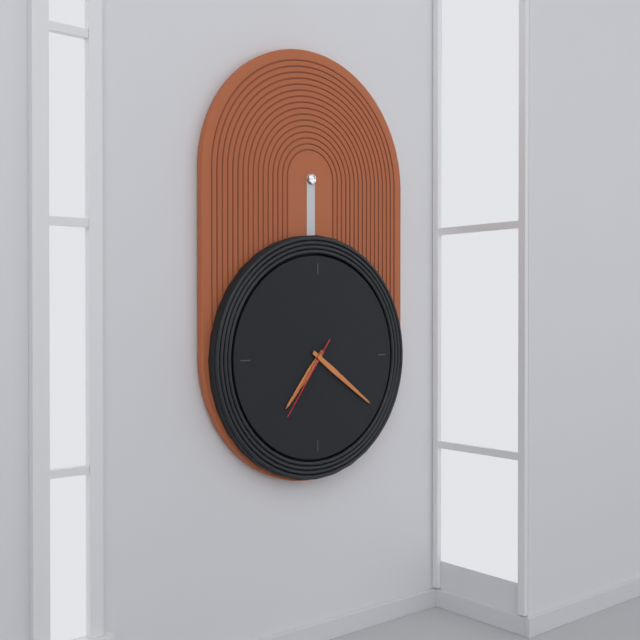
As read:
**7:21:36**
